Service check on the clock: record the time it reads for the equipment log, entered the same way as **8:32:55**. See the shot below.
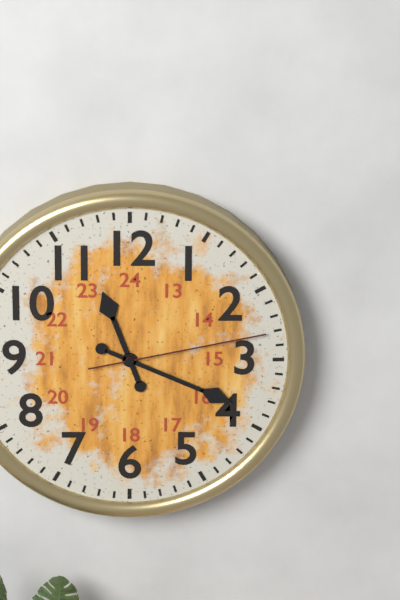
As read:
**11:19:13**
